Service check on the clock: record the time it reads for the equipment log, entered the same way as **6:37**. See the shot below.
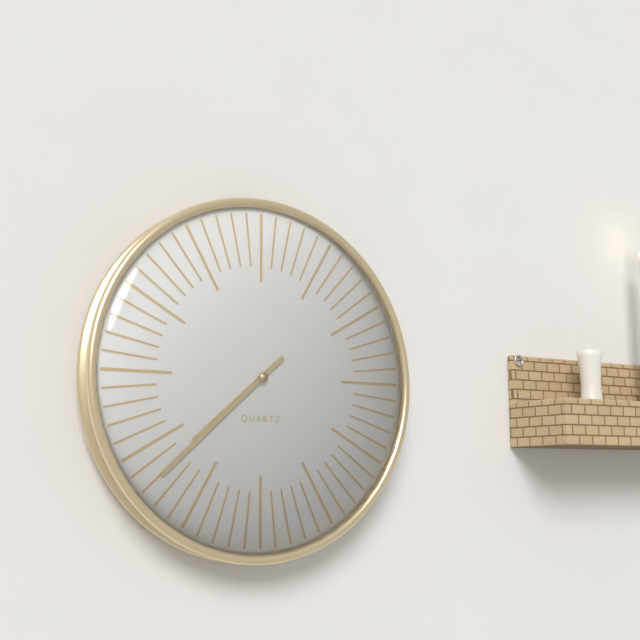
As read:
**7:38**
